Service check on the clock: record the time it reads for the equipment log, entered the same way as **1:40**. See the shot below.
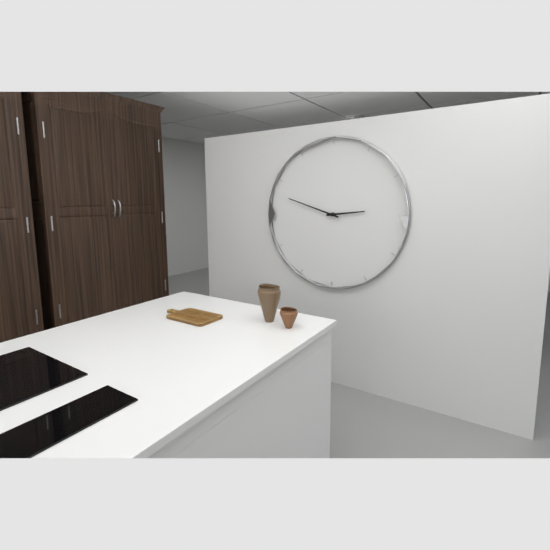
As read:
**2:48**
